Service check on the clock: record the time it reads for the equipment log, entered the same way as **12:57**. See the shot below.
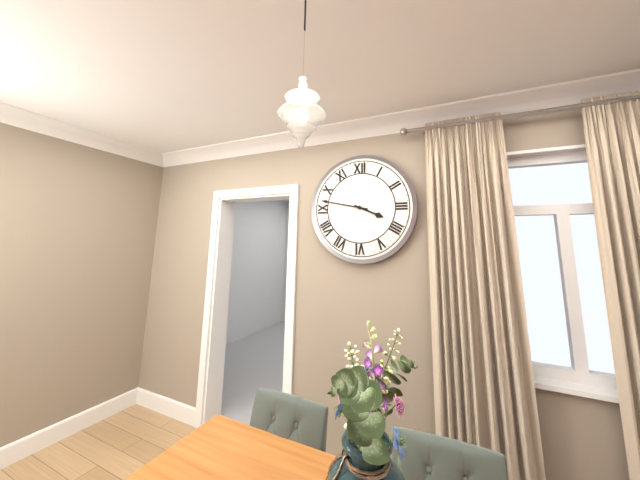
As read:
**3:47**
